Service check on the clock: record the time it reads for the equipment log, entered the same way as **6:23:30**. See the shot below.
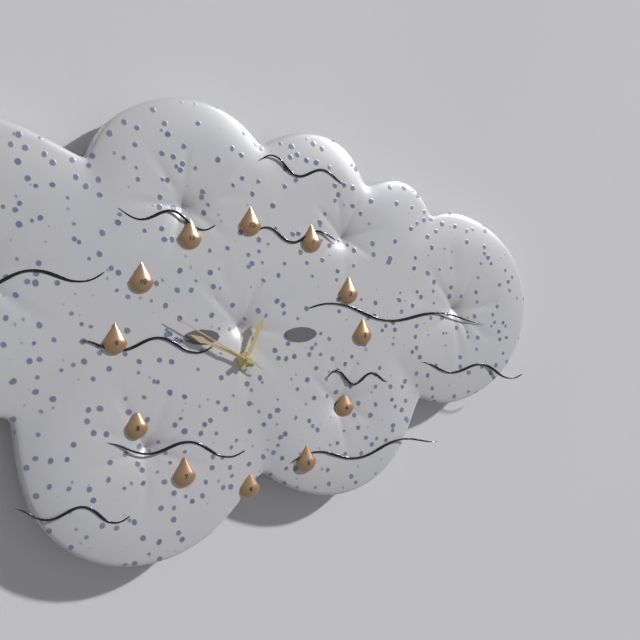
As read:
**12:49:50**
